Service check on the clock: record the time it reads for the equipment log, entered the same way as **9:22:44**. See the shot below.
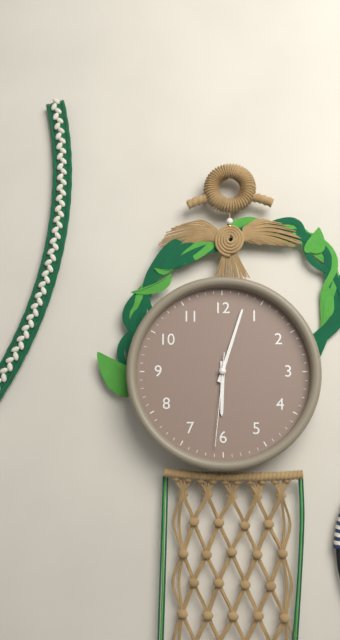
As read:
**6:03:31**
